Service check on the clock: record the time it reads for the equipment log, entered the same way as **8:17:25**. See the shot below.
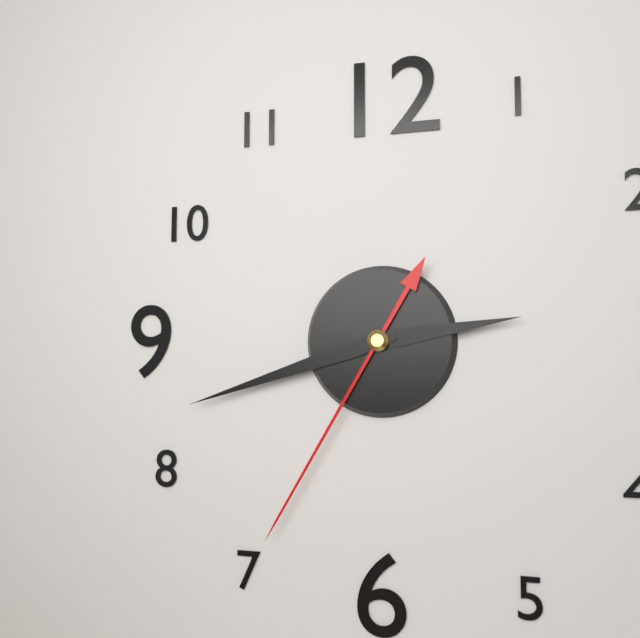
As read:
**2:42:35**
